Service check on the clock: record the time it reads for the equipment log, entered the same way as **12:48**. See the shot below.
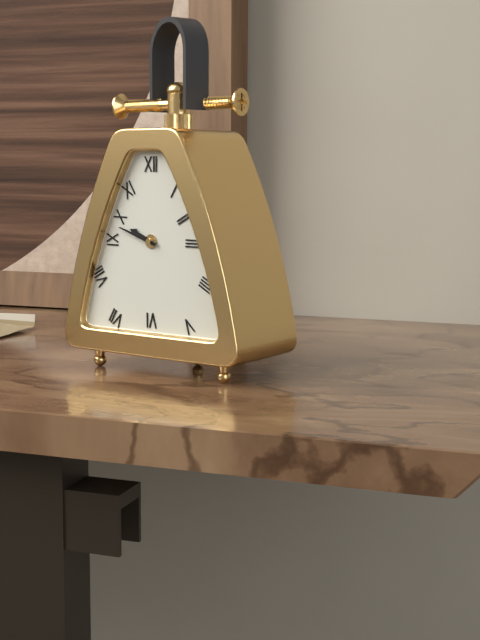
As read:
**9:48**
